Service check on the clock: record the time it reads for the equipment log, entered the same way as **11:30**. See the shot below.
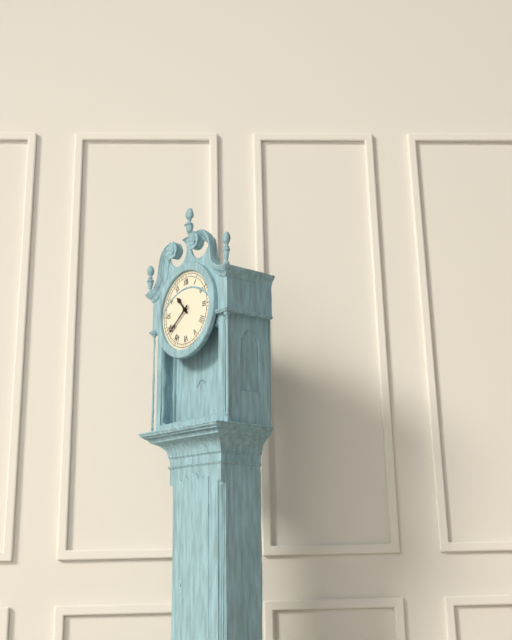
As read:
**10:39**
